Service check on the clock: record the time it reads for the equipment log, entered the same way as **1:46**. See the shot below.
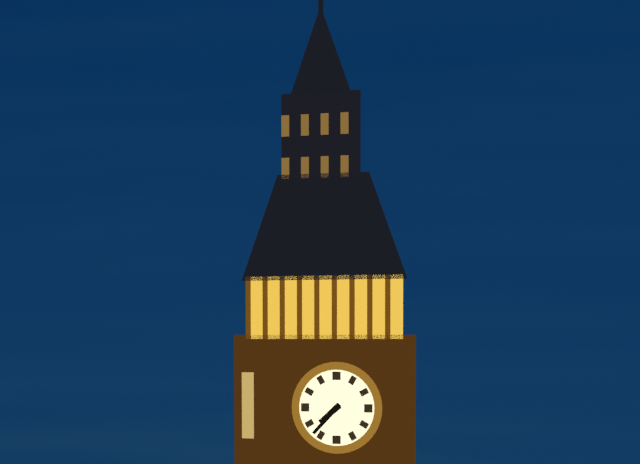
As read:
**7:37**
